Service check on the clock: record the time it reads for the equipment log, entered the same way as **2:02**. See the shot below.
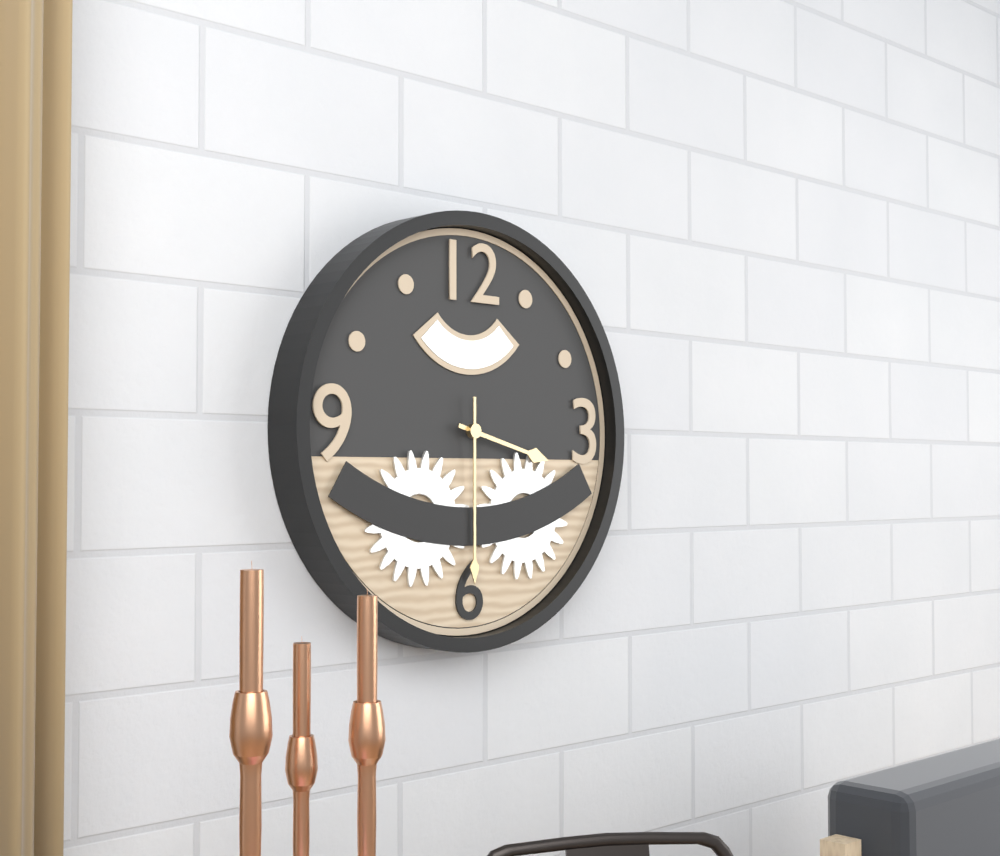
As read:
**3:30**
